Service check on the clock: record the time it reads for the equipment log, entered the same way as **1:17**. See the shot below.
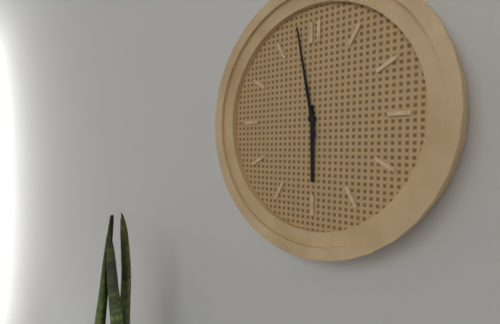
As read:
**5:58**
